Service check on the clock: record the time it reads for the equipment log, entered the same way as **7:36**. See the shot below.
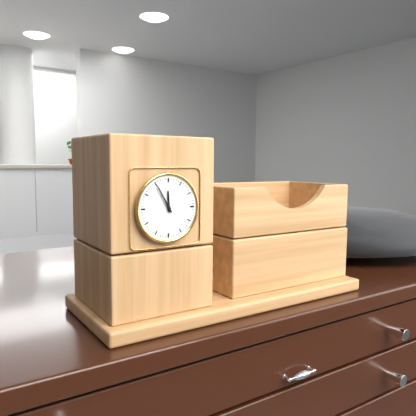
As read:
**11:55**
